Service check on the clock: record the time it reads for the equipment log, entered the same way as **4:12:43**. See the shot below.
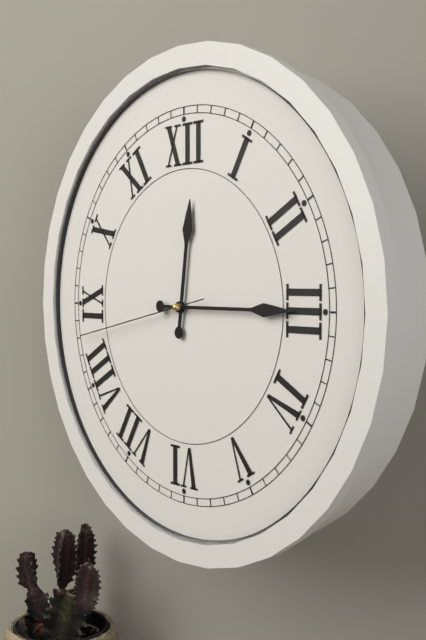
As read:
**12:15:43**
